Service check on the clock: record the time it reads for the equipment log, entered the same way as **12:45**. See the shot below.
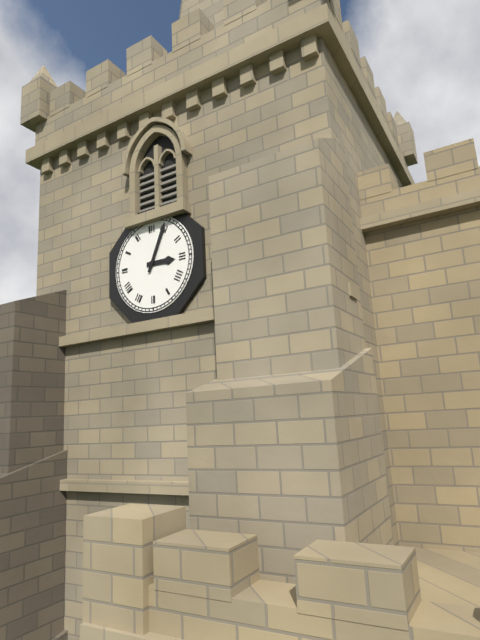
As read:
**3:04**
